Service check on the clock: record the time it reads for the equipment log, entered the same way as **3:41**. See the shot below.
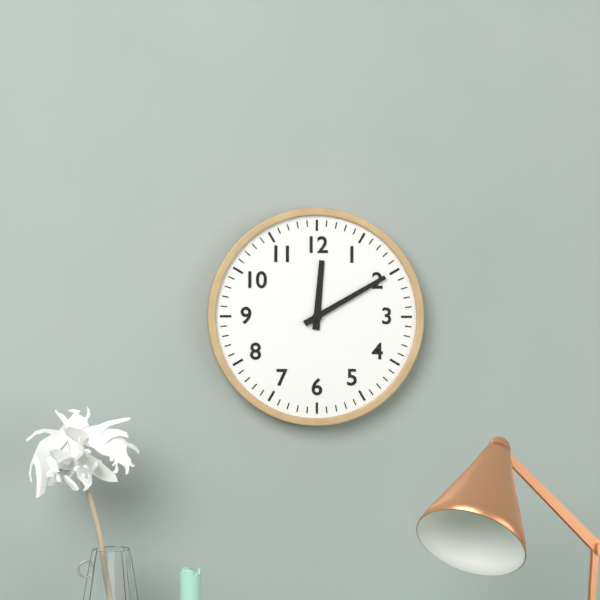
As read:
**12:10**
